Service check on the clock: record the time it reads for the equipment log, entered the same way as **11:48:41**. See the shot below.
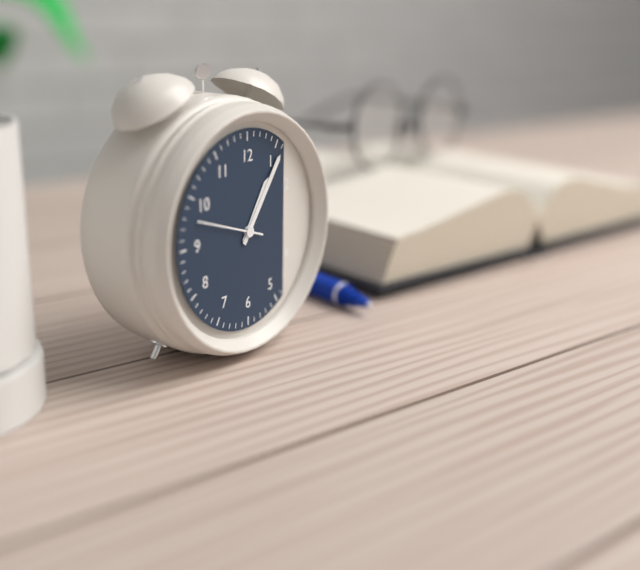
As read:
**1:06:48**
